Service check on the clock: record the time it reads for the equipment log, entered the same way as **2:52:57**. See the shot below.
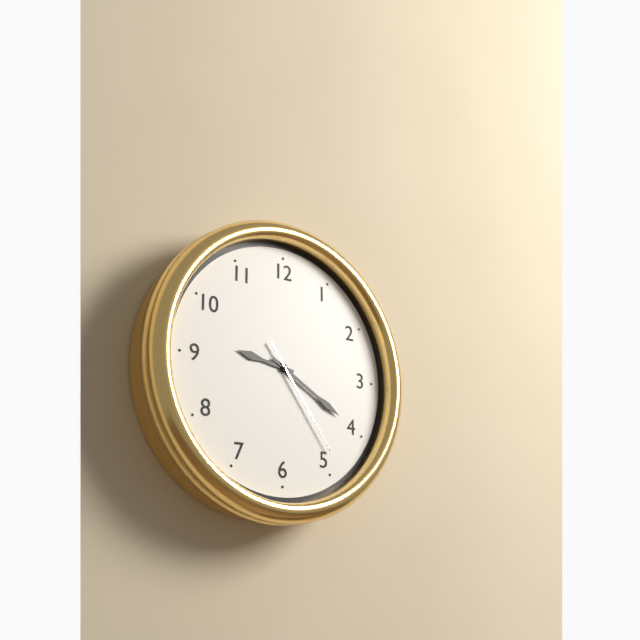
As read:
**9:20:24**
